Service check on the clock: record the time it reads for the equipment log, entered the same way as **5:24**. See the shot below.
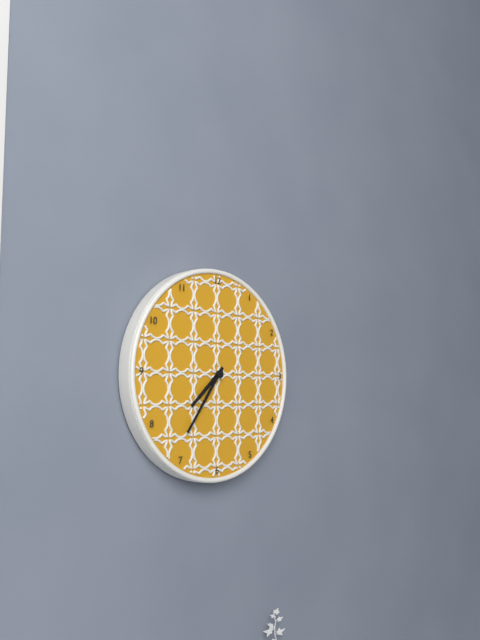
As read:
**7:36**
